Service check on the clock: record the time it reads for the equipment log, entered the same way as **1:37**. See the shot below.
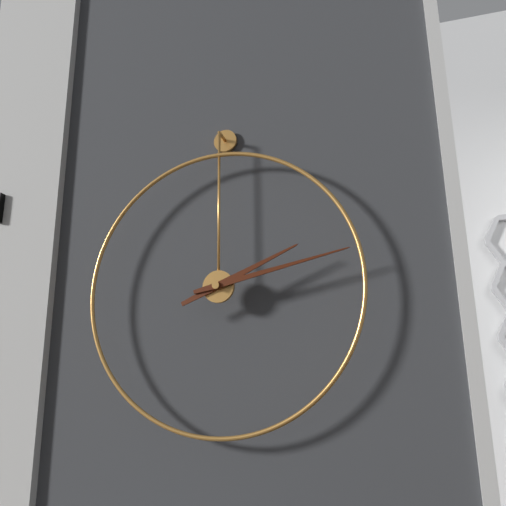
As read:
**2:13**
